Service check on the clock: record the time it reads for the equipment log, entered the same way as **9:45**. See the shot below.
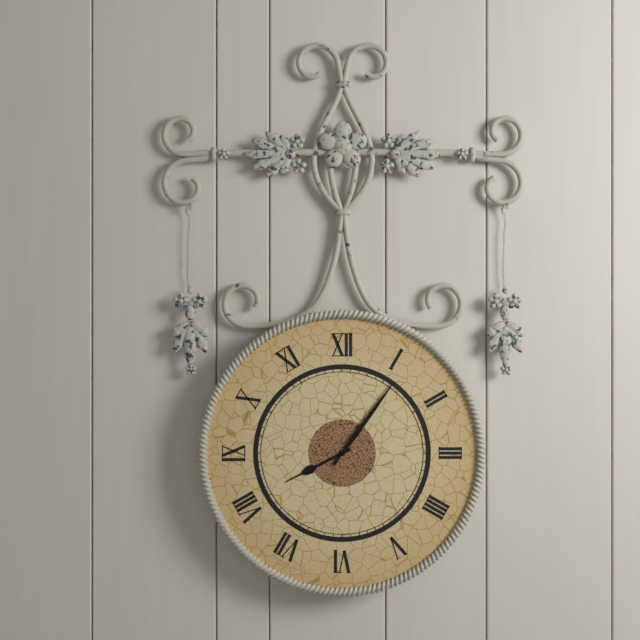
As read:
**8:06**
